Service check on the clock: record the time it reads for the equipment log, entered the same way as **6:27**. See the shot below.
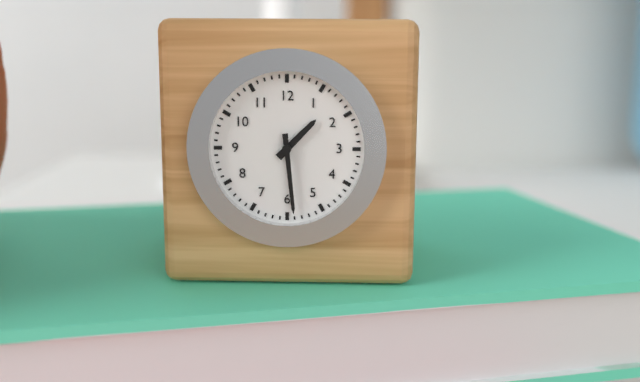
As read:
**1:29**
